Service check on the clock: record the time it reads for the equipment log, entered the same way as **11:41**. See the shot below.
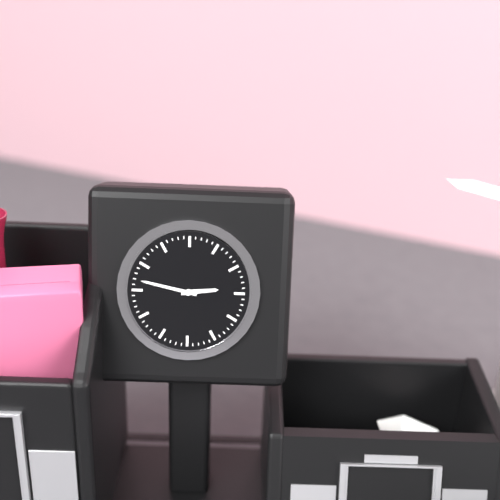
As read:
**2:47**
